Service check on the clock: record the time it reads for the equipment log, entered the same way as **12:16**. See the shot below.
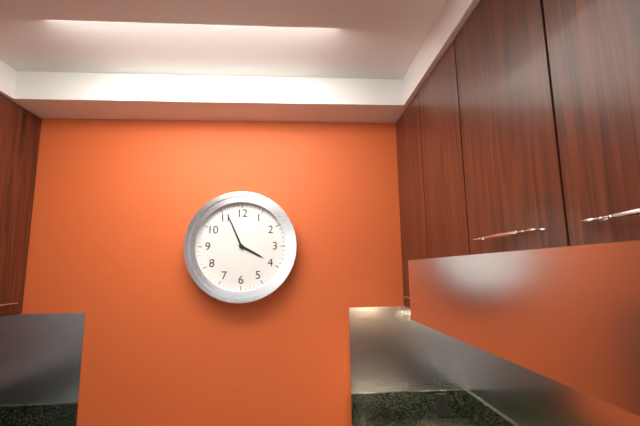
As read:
**3:56**
